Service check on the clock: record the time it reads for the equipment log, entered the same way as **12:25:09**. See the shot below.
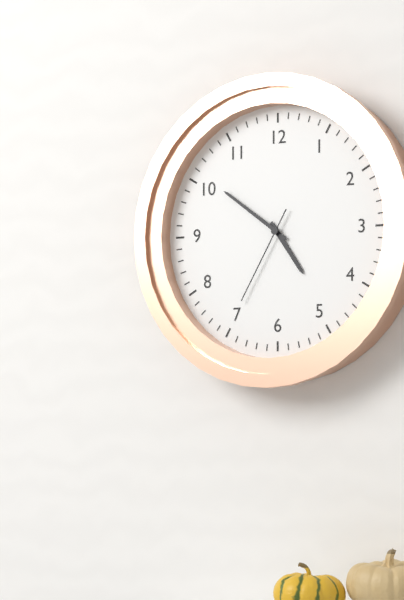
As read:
**4:51:35**
